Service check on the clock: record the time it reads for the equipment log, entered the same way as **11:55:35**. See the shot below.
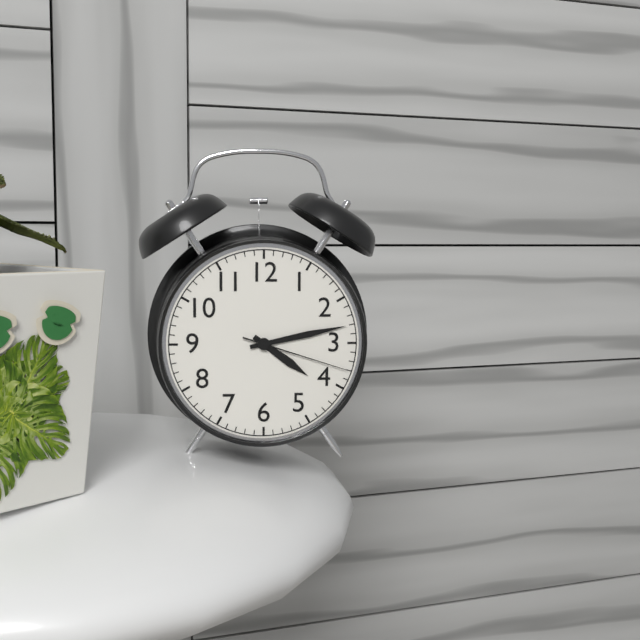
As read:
**4:13:18**
